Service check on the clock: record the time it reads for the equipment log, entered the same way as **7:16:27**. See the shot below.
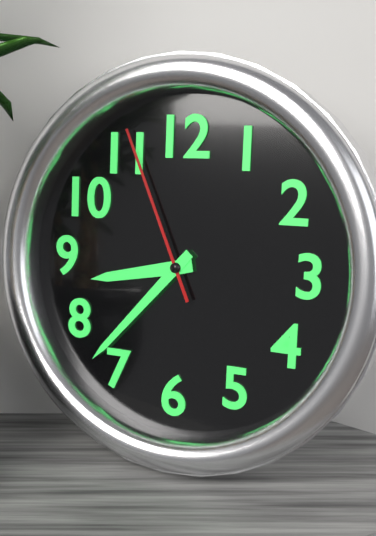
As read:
**8:37:56**
